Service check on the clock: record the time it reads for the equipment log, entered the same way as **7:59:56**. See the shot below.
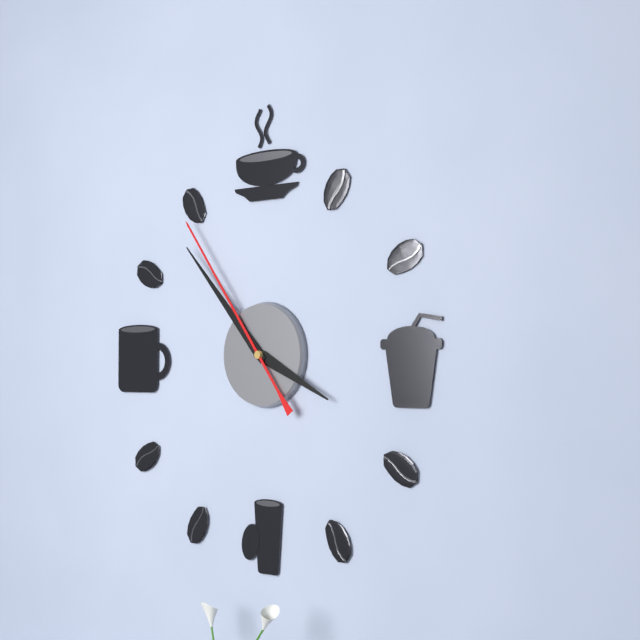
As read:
**3:53:54**
